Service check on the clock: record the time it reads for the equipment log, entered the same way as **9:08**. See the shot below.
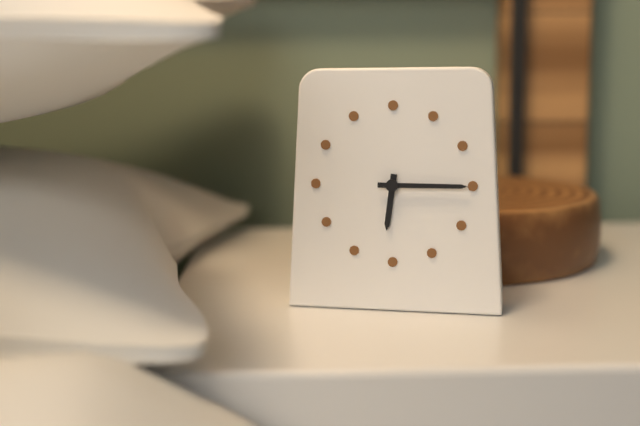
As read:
**6:15**
